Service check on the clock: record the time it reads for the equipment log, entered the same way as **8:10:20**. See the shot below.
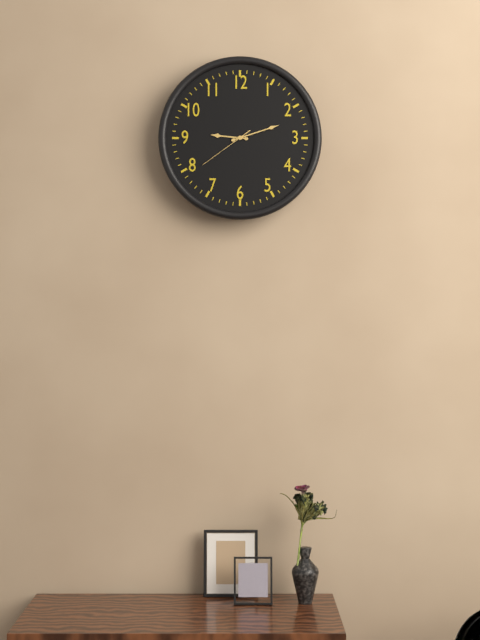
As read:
**9:12:39**
